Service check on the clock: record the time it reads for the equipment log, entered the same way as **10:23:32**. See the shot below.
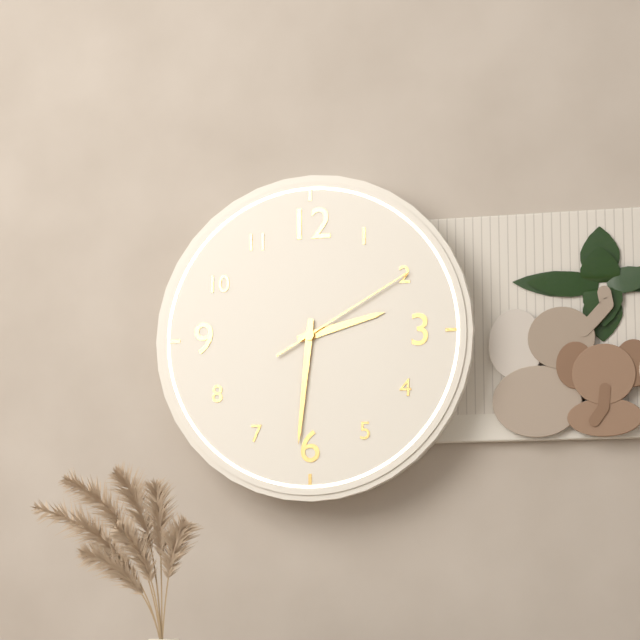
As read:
**2:31:10**
